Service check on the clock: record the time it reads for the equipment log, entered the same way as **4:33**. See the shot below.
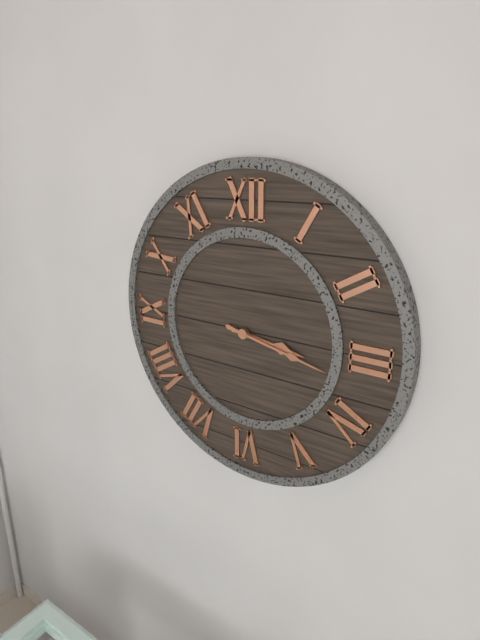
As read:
**3:17**
